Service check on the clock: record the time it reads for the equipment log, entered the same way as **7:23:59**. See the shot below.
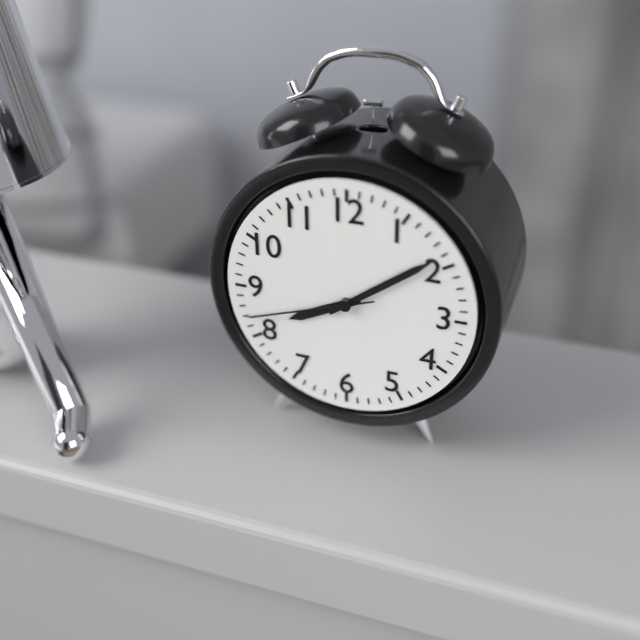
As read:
**8:09:42**
